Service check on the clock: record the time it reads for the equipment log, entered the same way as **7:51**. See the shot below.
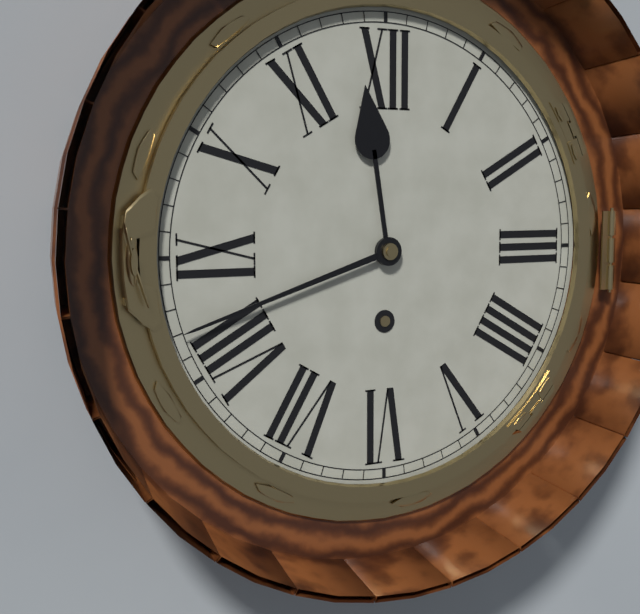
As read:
**11:42**
